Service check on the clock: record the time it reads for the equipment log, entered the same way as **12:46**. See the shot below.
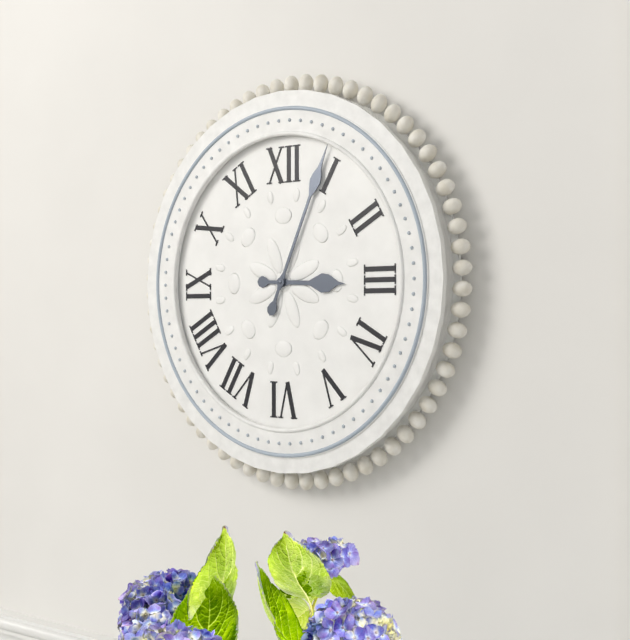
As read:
**3:04**
